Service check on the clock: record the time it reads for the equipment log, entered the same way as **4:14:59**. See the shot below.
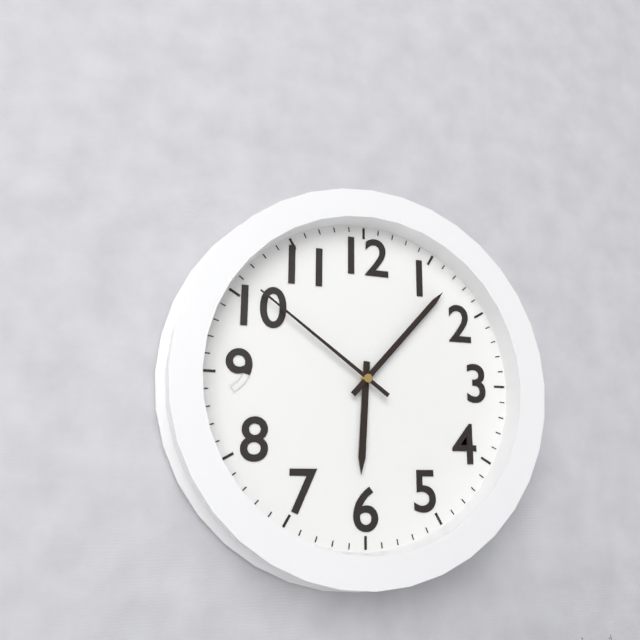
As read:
**6:07:51**
